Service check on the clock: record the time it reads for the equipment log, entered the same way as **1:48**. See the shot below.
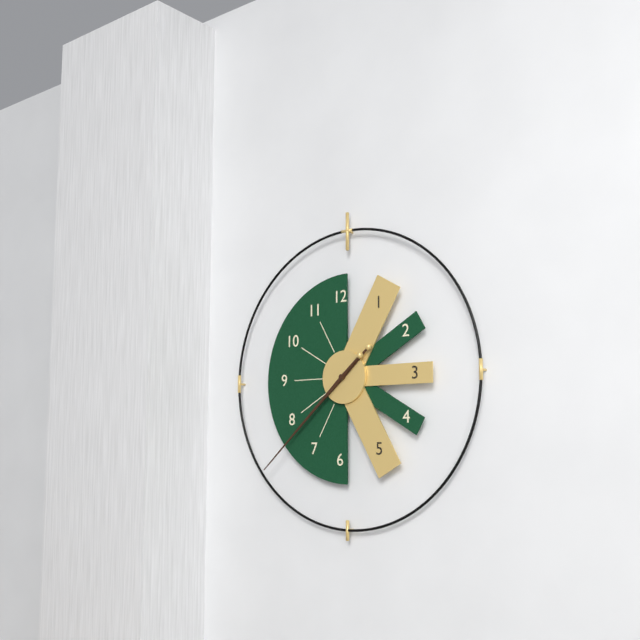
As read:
**7:38**
